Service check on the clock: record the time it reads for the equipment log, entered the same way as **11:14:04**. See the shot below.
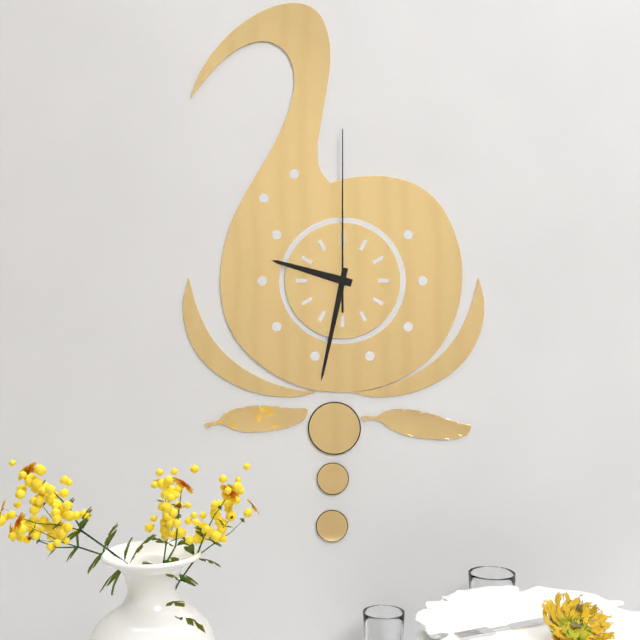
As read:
**9:32:00**
